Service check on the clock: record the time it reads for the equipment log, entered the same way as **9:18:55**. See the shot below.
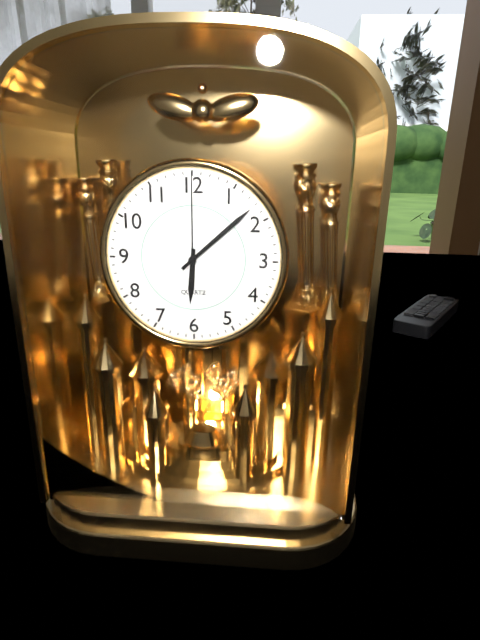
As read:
**6:08:00**
